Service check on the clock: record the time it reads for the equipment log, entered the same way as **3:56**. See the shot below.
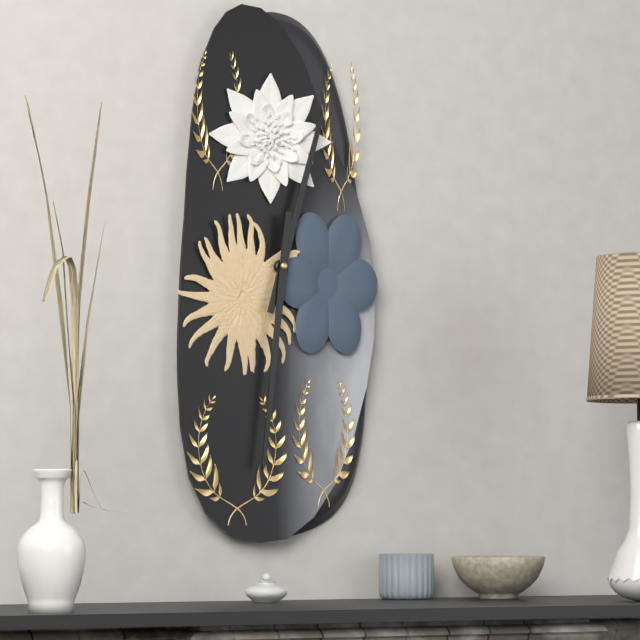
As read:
**12:31**
